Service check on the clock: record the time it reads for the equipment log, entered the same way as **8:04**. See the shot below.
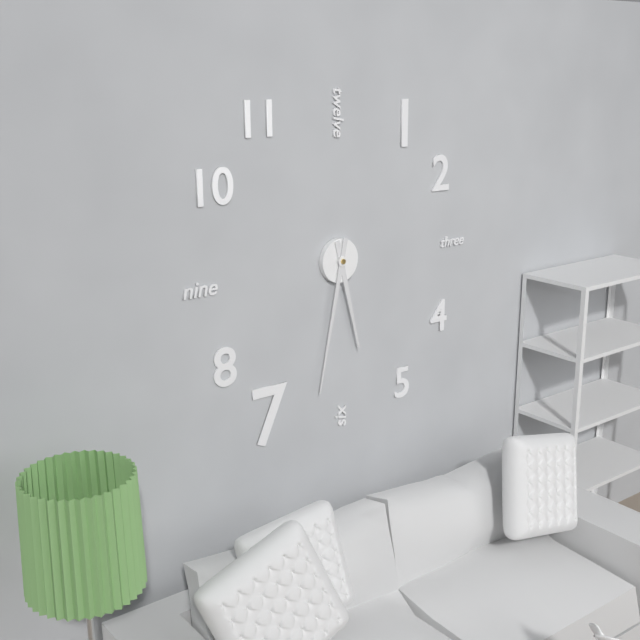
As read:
**5:32**
